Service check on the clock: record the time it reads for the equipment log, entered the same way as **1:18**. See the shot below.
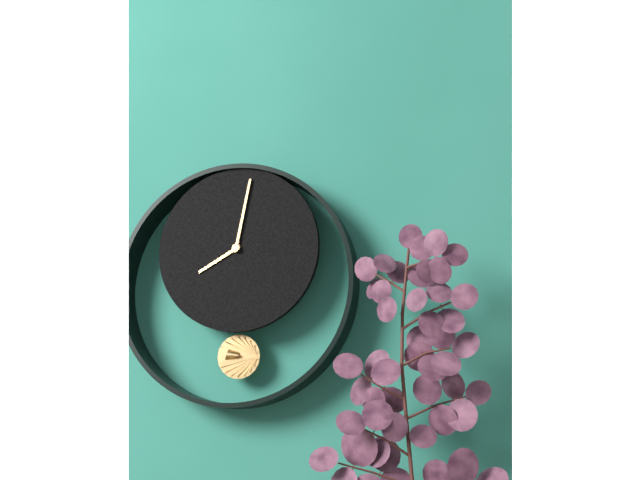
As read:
**8:02**
